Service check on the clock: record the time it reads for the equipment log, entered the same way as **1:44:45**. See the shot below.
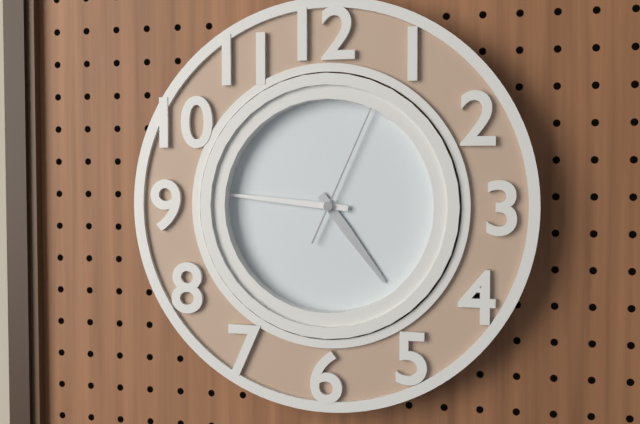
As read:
**4:46:04**
